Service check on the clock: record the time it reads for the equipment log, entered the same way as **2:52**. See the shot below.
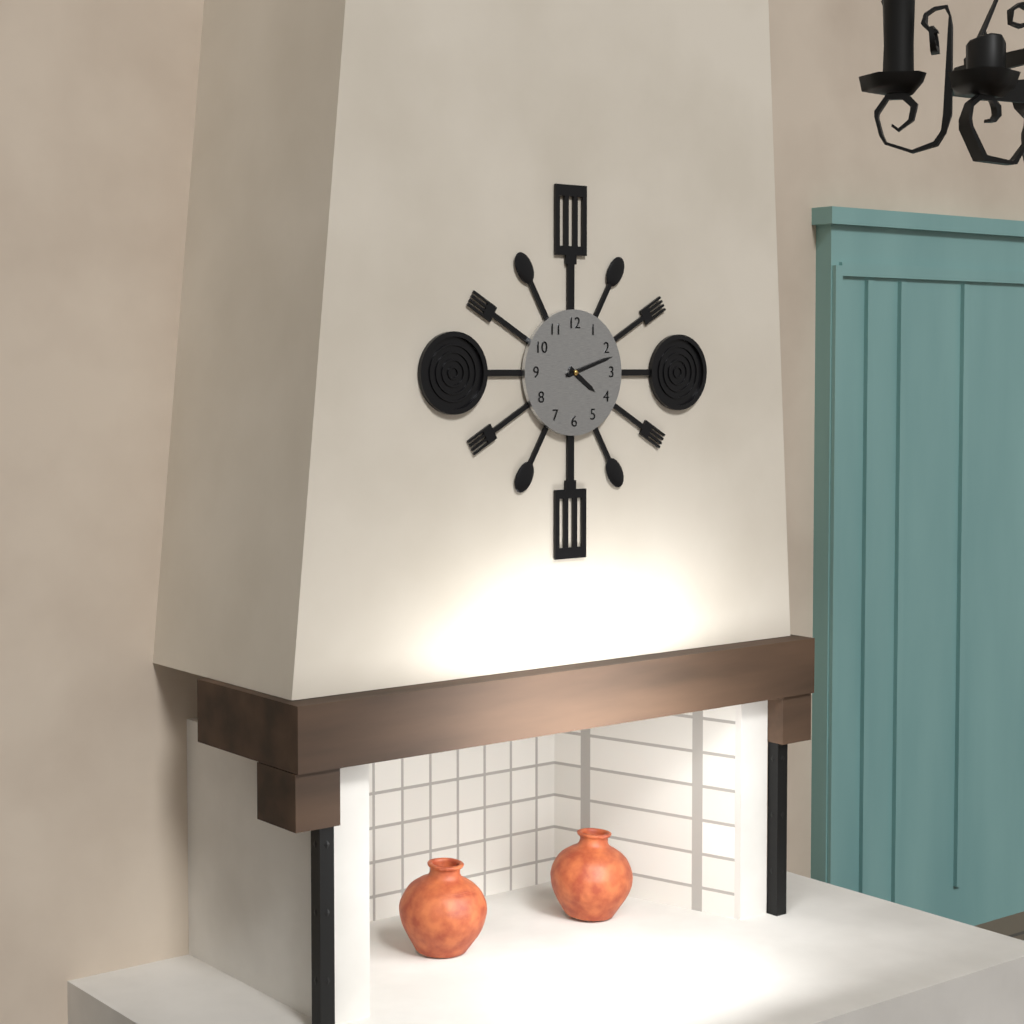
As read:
**4:12**
